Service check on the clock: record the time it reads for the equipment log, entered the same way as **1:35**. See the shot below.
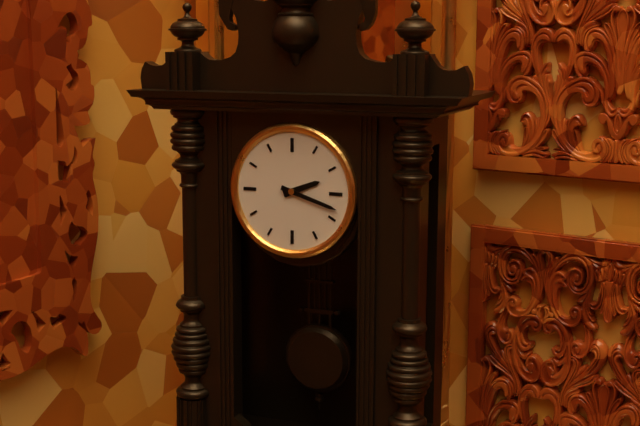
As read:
**2:18**
